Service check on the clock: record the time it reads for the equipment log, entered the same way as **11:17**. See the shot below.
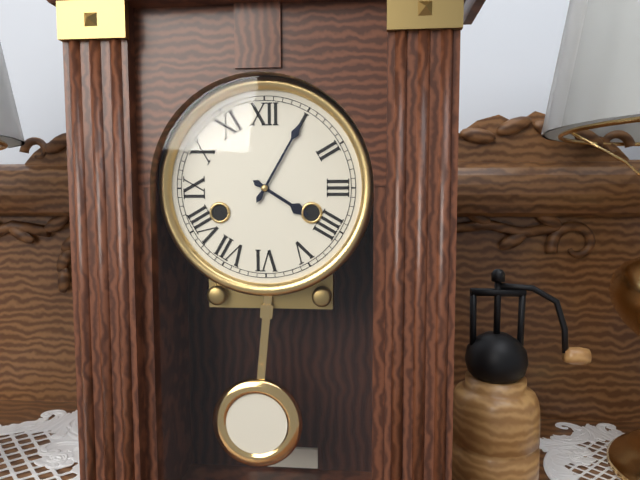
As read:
**4:05**
